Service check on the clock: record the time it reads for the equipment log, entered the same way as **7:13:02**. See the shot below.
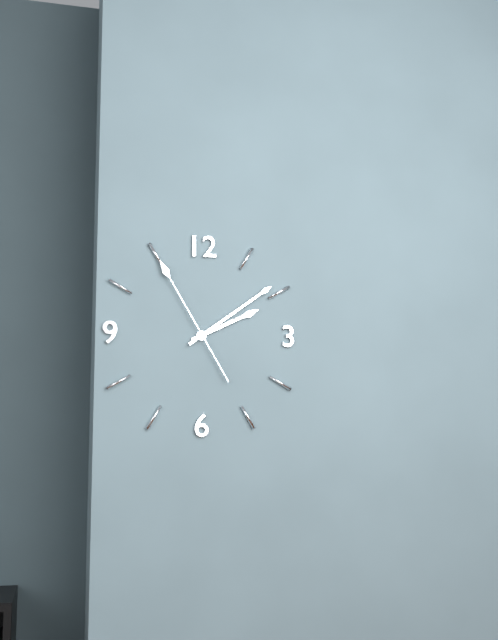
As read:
**2:09:55**
